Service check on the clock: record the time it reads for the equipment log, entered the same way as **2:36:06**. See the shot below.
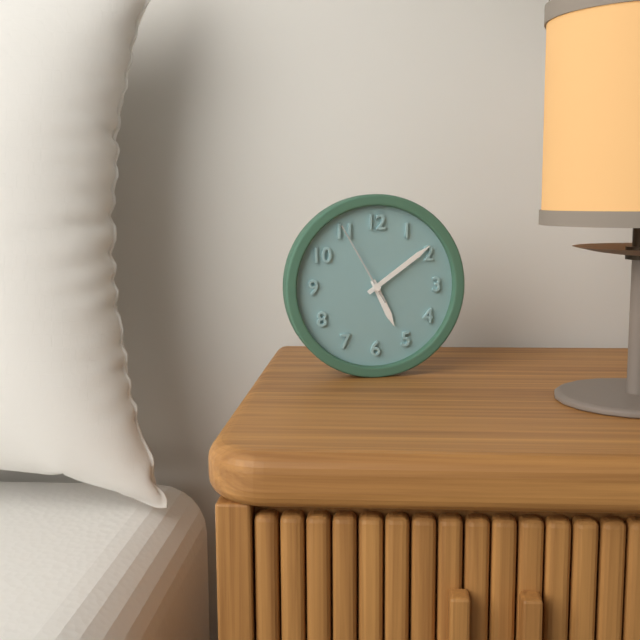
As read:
**5:09:55**
